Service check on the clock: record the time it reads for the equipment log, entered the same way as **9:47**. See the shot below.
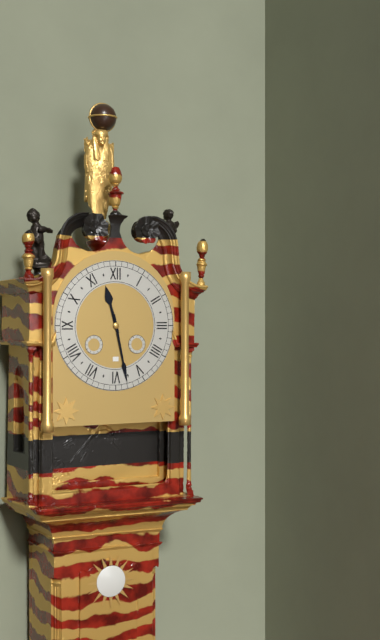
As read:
**11:28**
